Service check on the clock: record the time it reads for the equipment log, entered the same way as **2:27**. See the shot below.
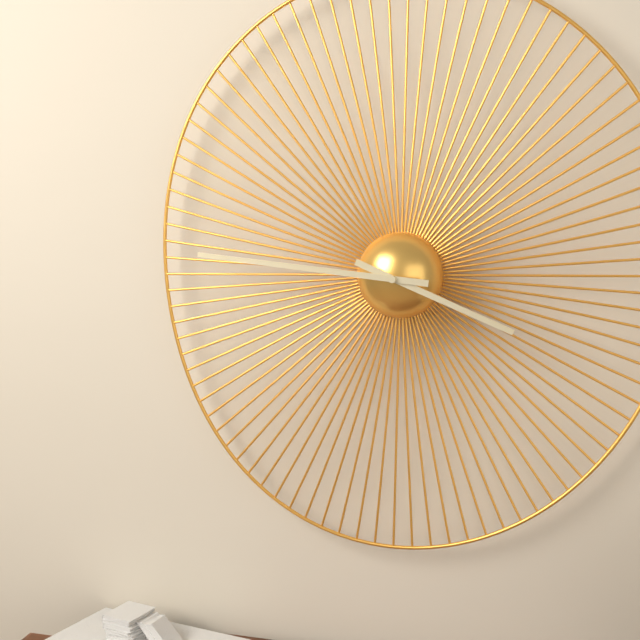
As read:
**3:46**
